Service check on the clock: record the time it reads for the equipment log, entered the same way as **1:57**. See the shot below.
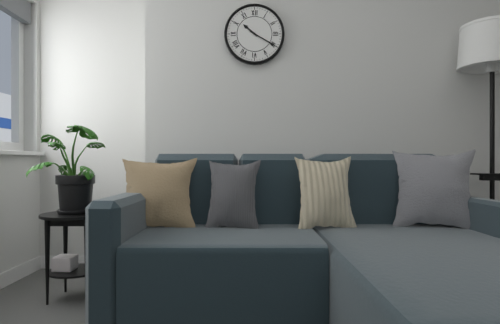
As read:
**10:20**
